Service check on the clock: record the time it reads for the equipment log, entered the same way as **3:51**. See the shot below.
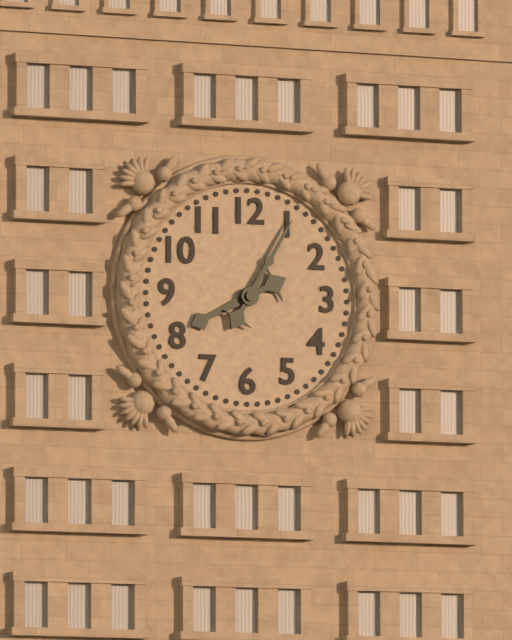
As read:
**8:05**
